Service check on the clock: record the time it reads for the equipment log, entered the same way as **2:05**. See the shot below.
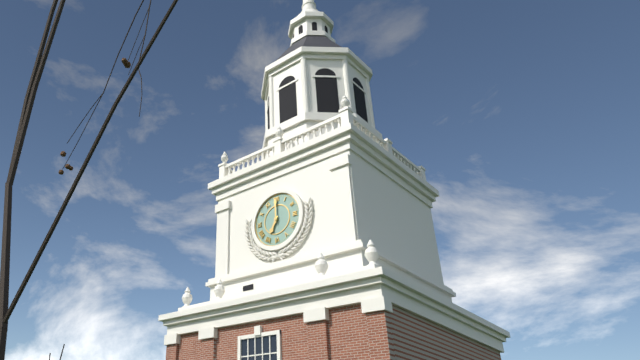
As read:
**7:00**
